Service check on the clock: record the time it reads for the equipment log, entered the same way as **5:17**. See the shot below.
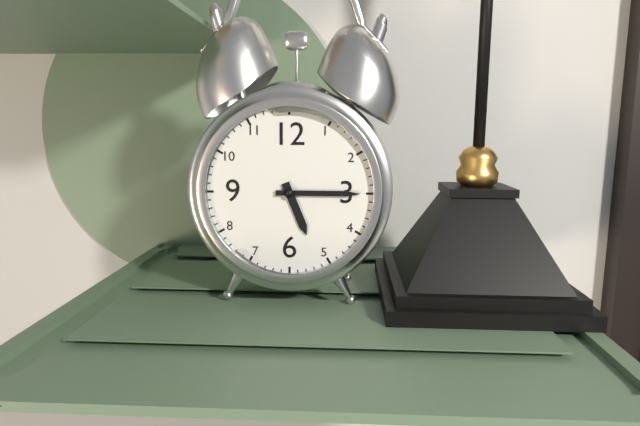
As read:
**5:15**
